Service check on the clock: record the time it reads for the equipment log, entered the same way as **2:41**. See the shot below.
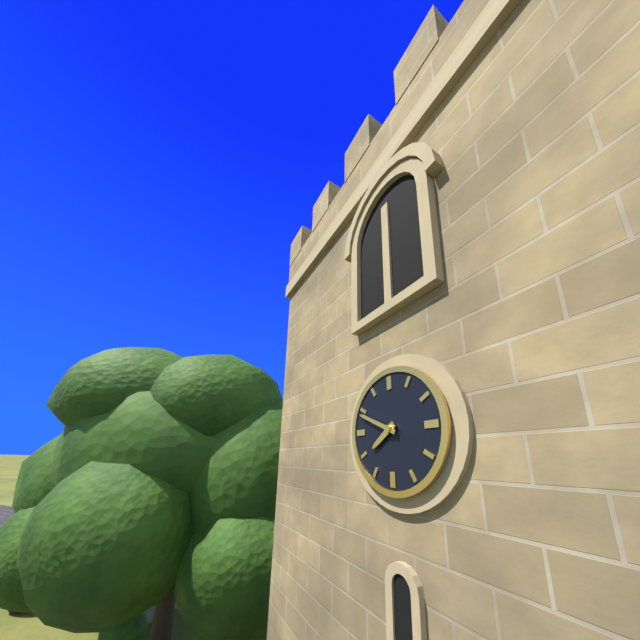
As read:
**7:49**
